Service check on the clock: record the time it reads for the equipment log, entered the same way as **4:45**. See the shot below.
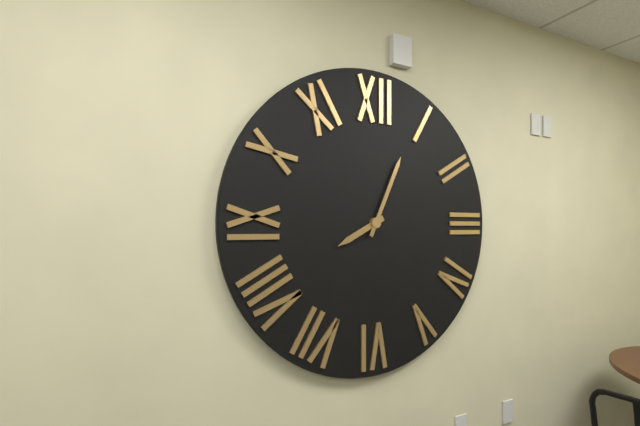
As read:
**8:04**
